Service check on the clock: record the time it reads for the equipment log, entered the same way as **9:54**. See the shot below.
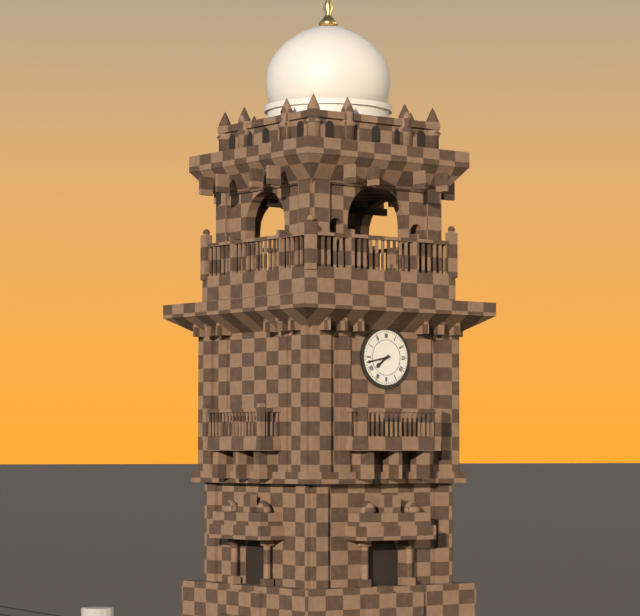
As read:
**7:43**
